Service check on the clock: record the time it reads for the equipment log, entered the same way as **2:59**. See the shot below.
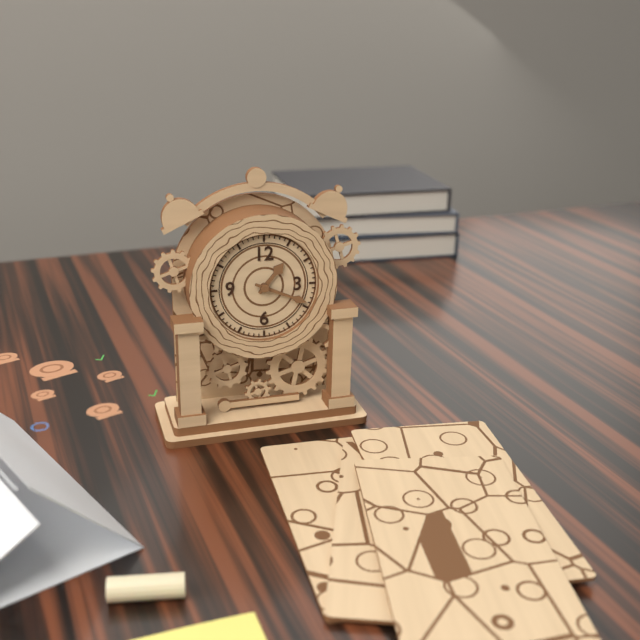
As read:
**1:19**
